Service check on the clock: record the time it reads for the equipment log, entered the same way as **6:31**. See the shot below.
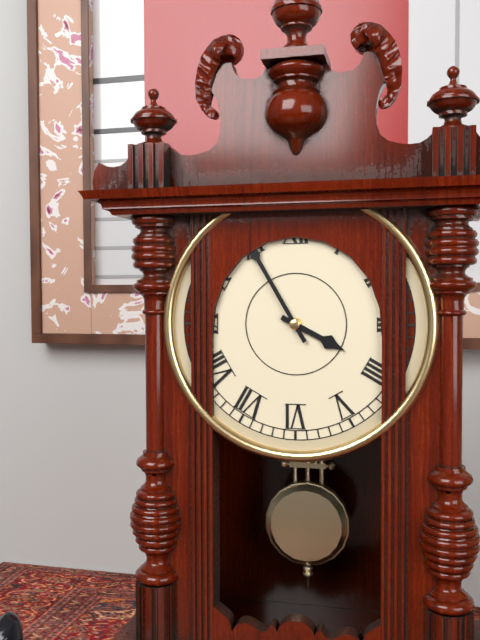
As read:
**3:55**
